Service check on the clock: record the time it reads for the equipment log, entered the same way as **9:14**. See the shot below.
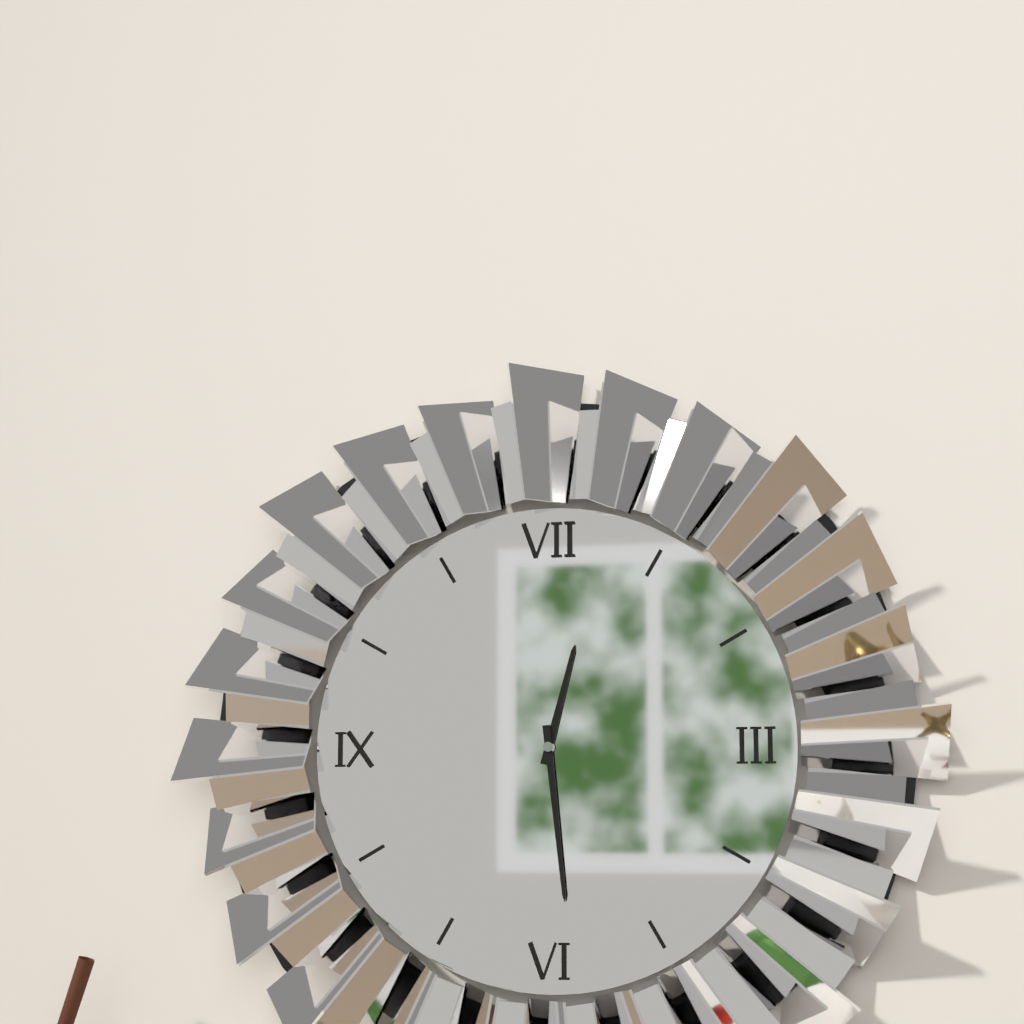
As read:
**12:29**
